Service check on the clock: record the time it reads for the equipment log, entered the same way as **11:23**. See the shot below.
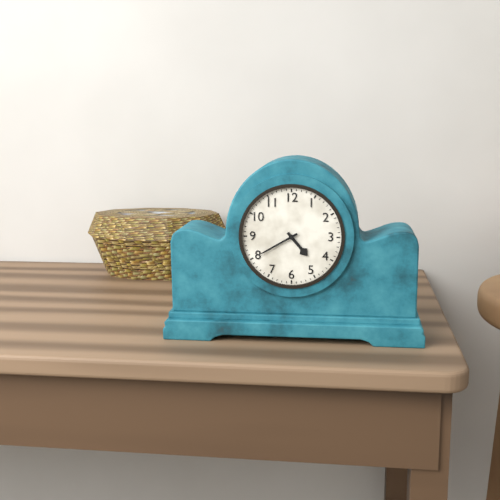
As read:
**4:40**
